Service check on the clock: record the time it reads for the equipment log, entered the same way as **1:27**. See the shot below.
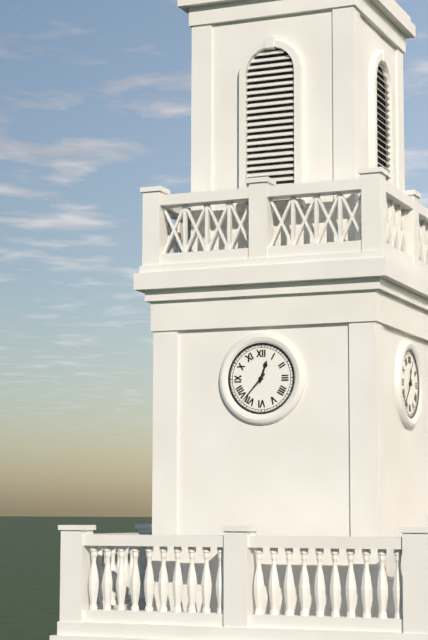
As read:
**12:37**
